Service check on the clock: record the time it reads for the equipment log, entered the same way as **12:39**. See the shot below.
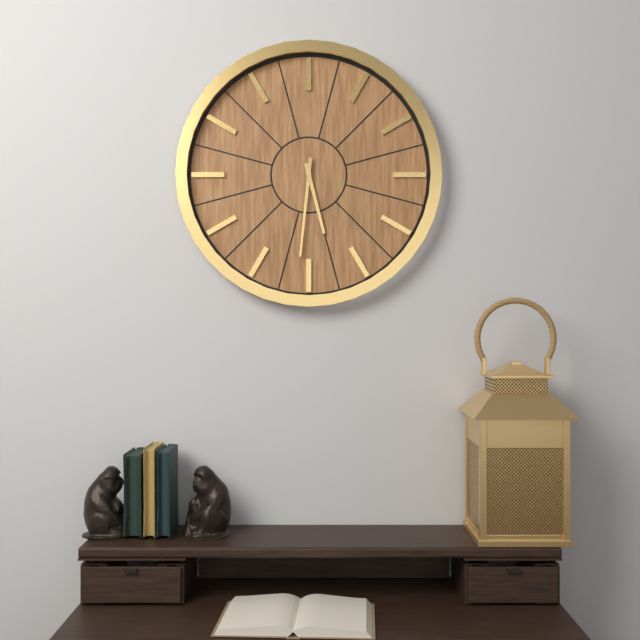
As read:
**5:31**
